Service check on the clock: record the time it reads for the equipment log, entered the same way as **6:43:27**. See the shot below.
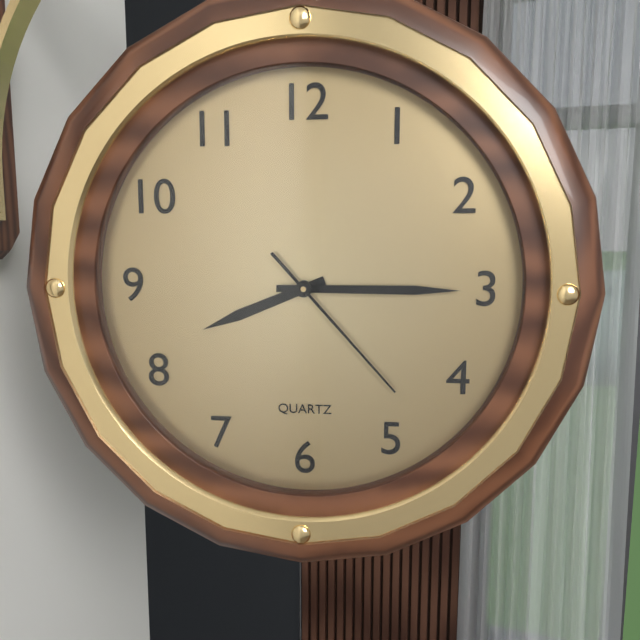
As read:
**8:15:23**
